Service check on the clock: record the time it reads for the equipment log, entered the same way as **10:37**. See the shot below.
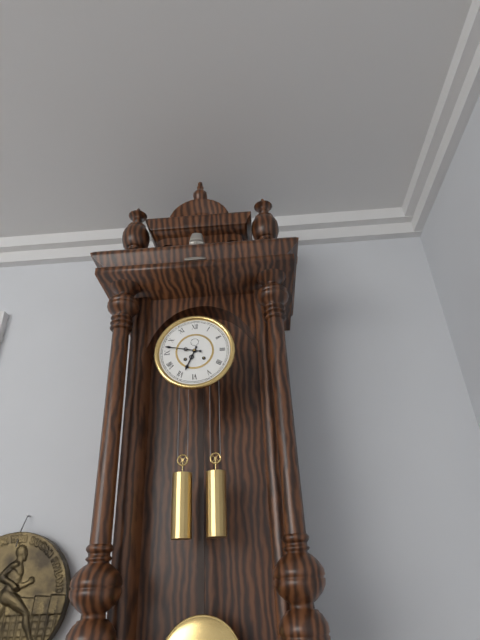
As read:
**6:47**
